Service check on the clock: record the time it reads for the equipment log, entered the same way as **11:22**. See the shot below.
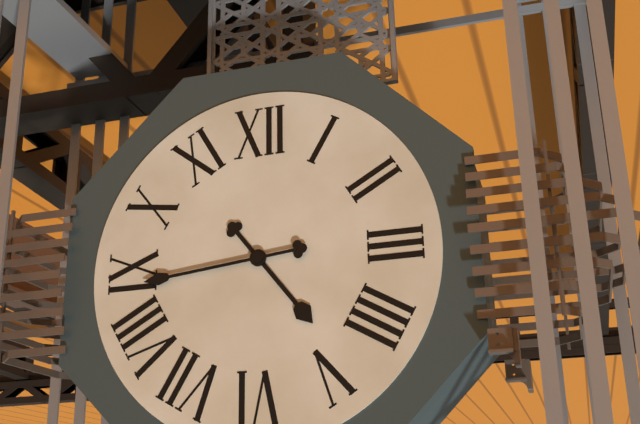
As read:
**4:44**
